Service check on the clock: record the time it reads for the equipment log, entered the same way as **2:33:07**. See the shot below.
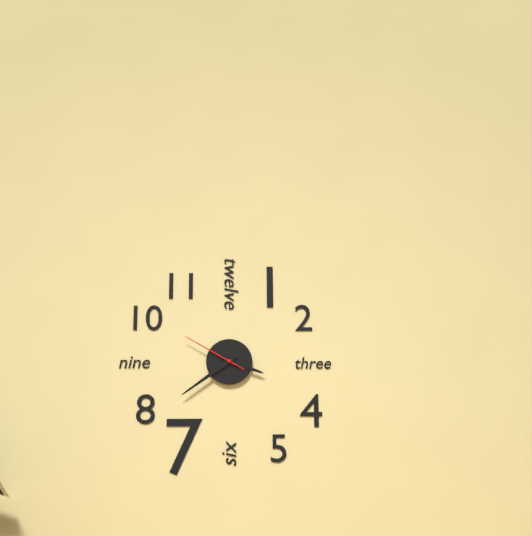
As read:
**3:39:50**
